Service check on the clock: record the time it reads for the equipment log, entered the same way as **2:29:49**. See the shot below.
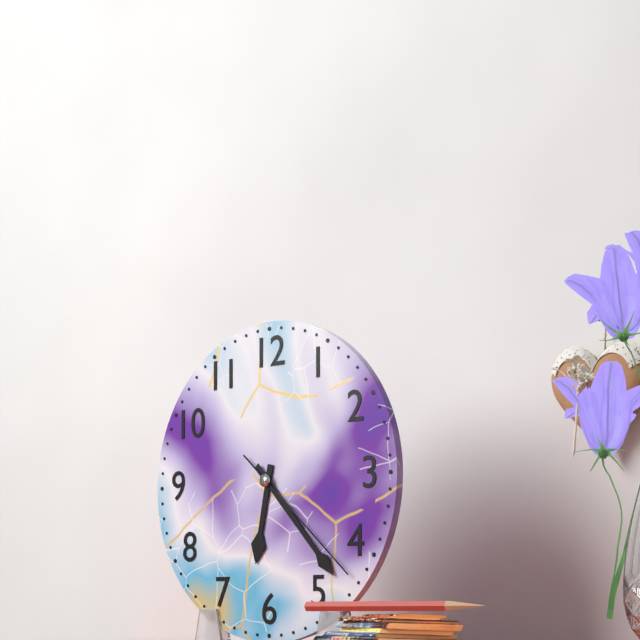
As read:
**6:23:22**
